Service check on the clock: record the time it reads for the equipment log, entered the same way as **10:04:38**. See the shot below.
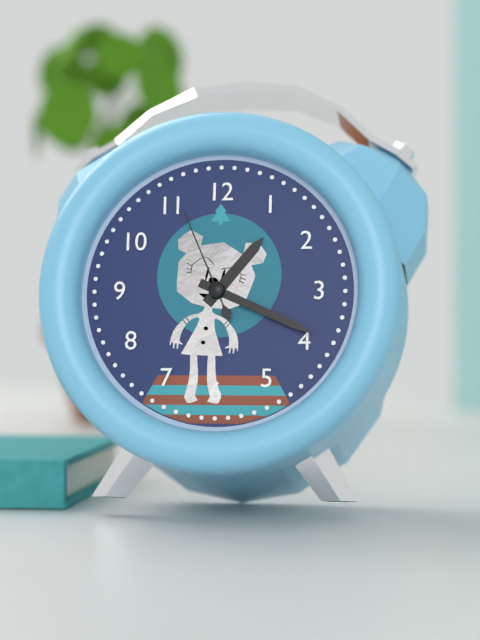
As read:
**1:19:56**
